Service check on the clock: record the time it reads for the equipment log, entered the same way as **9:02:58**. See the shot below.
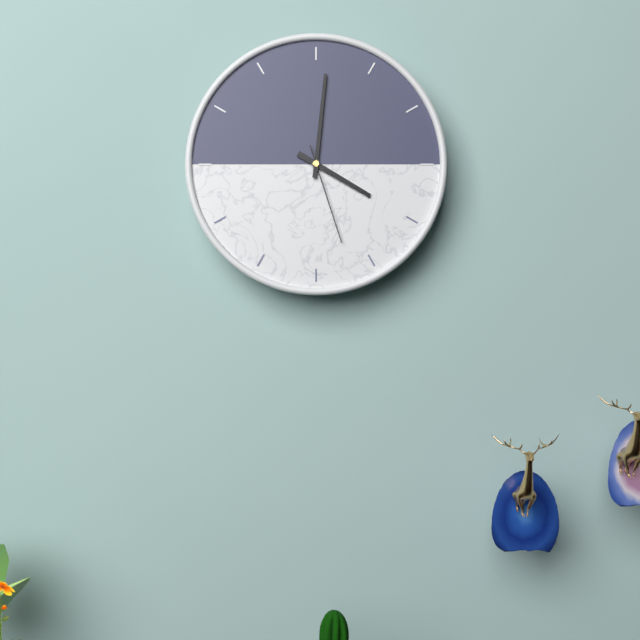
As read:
**4:01:27**
